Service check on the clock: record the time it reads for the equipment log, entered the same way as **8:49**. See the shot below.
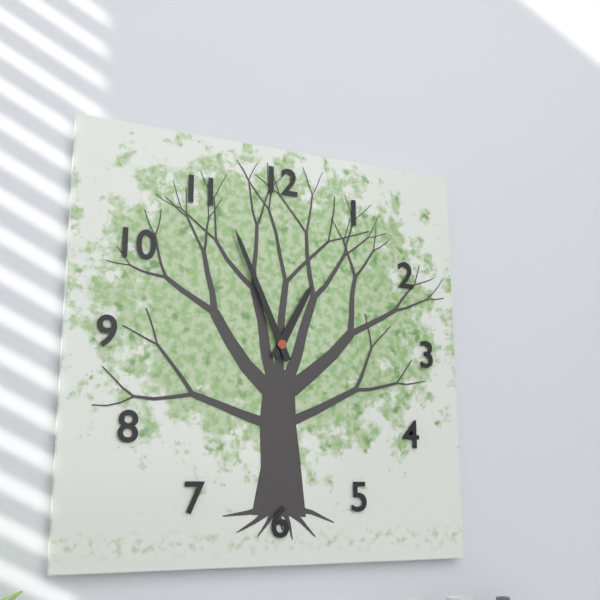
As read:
**12:56**
